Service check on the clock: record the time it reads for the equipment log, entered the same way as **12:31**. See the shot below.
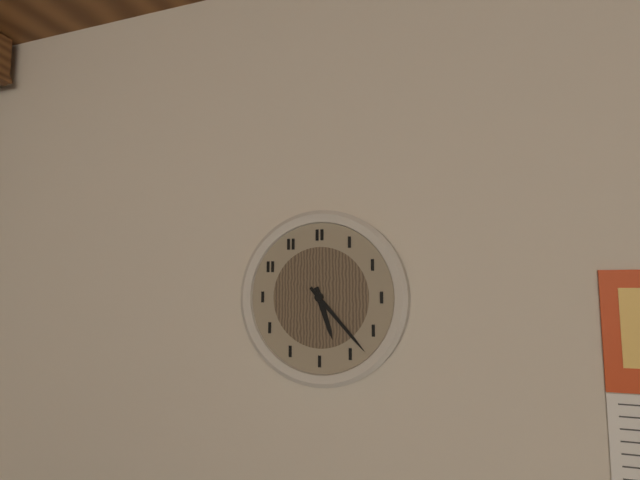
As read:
**5:23**
